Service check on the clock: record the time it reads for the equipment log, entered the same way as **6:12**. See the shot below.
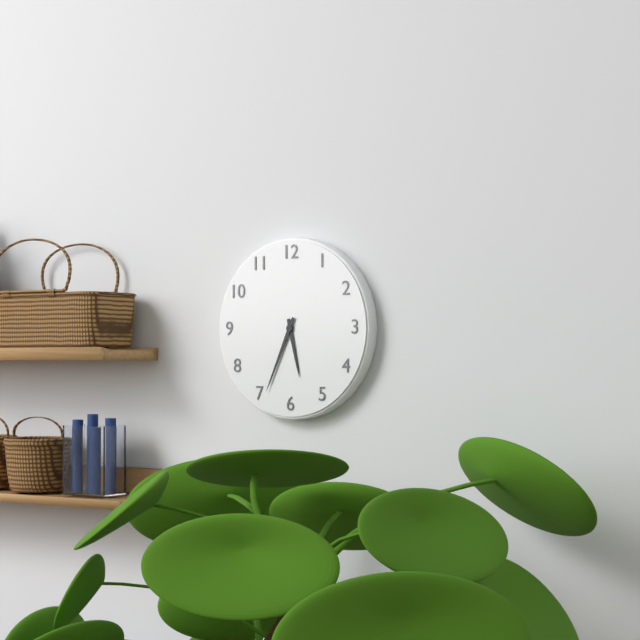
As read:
**5:34**
